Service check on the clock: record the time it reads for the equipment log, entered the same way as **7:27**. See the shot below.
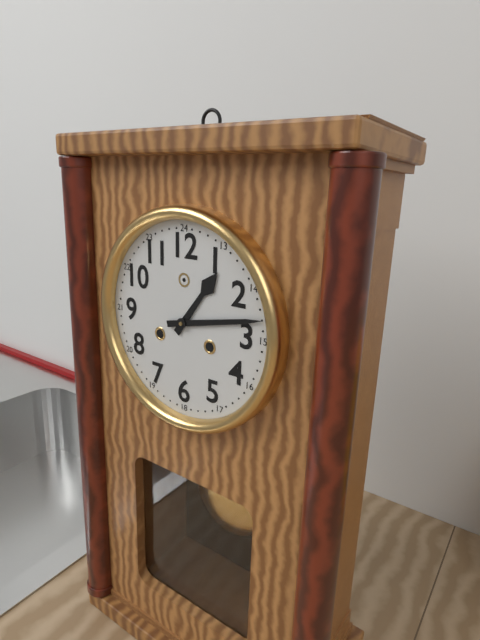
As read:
**1:13**
